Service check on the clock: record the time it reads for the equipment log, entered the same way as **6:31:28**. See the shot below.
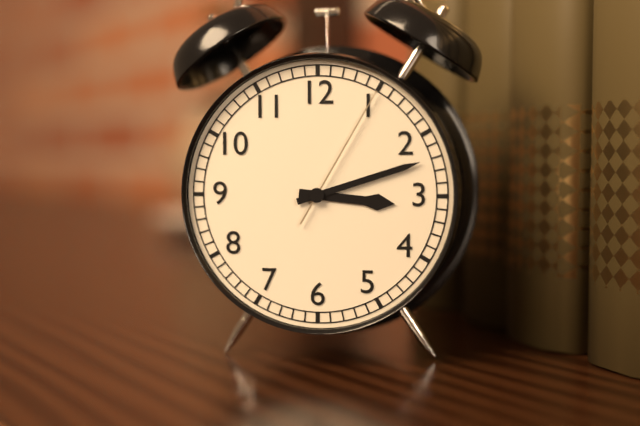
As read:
**3:12:05**
